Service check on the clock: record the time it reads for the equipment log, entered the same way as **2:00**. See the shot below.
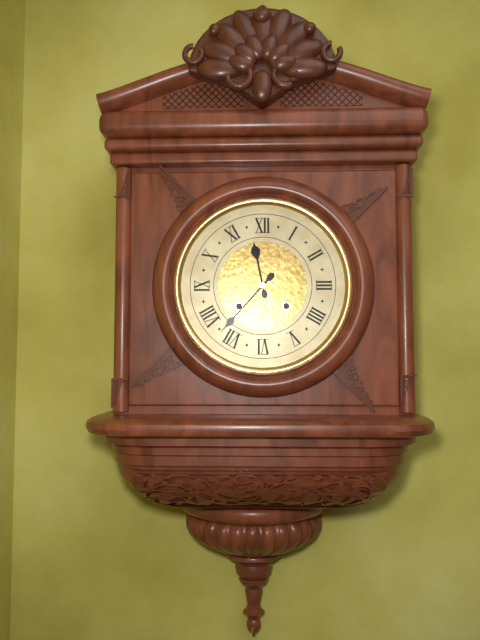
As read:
**11:37**
